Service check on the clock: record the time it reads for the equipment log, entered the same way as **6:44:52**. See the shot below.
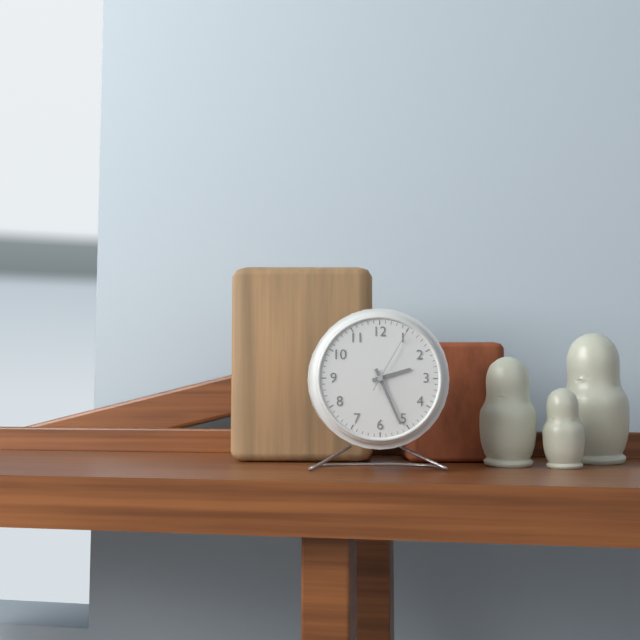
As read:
**2:26:05**
